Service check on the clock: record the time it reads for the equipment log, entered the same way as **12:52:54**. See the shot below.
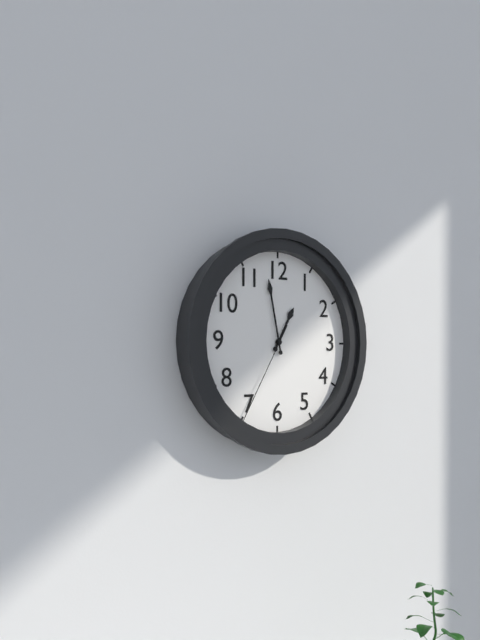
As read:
**12:58:35**
